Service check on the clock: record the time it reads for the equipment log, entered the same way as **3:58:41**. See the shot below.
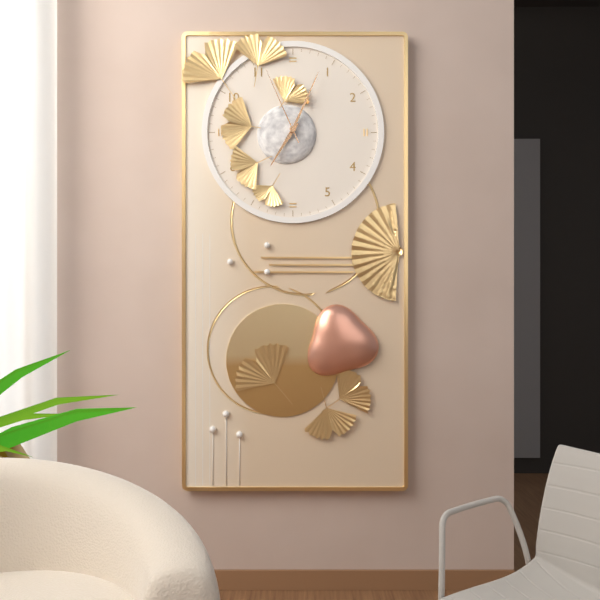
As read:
**7:04:56**
